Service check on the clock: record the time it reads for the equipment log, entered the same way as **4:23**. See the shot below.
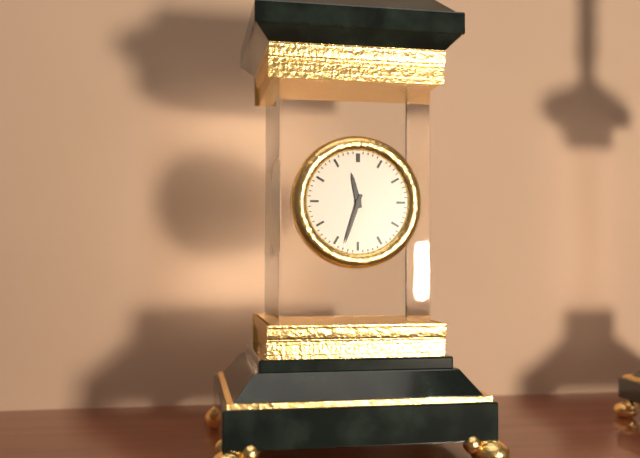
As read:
**11:33**
